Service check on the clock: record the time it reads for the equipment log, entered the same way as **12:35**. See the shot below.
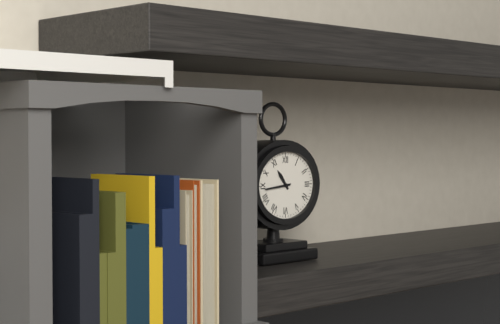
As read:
**10:44**
